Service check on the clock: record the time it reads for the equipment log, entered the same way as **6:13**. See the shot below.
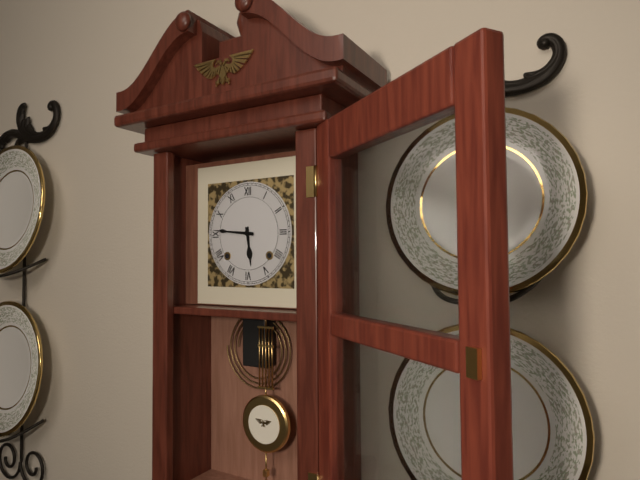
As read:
**5:46**
